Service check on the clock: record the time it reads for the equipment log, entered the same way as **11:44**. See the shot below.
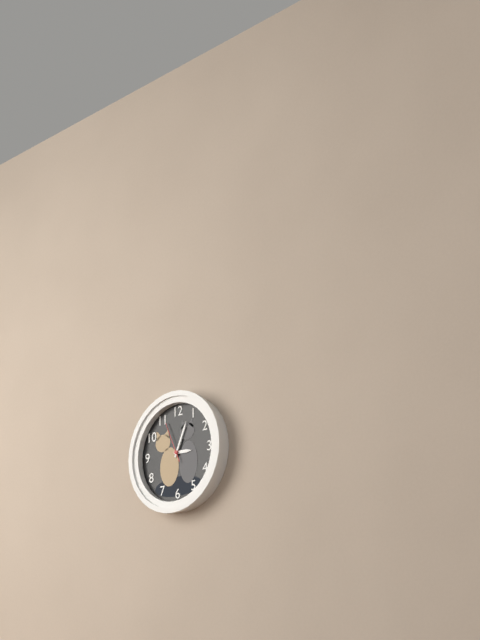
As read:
**3:04**
